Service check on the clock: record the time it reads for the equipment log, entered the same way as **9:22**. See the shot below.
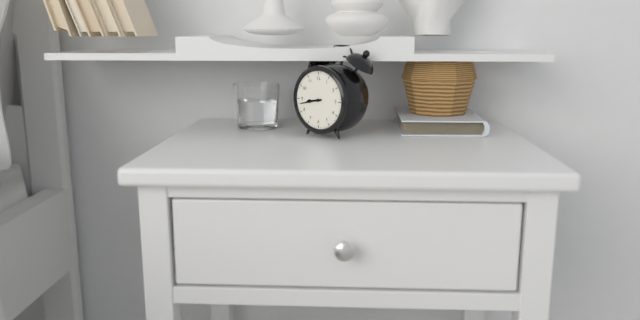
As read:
**8:43**
